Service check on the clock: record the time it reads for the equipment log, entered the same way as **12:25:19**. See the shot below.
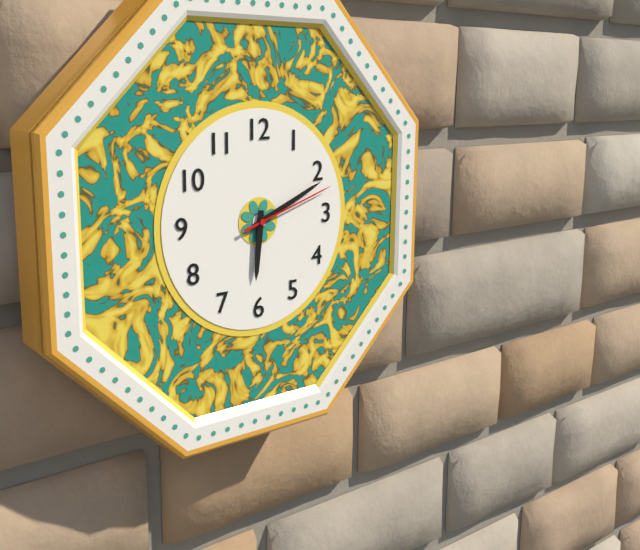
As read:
**6:11:12**
